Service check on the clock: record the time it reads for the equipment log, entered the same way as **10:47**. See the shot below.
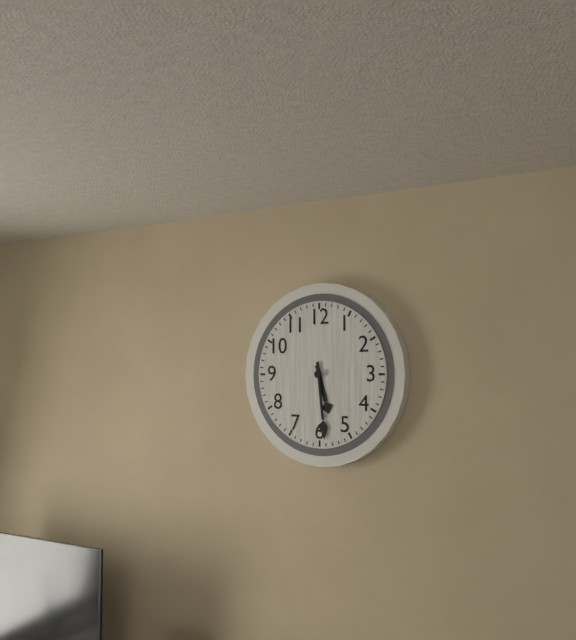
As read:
**5:29**
